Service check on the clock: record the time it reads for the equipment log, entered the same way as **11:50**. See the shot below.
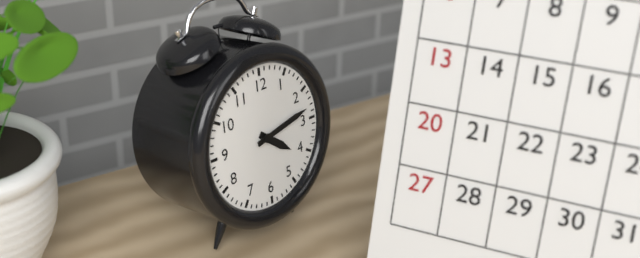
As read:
**4:13**
